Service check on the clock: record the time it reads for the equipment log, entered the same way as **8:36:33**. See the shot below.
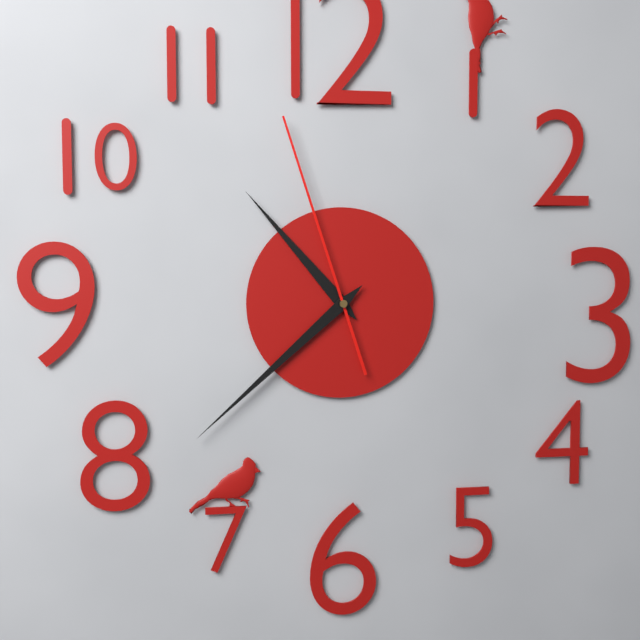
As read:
**10:38:57**
